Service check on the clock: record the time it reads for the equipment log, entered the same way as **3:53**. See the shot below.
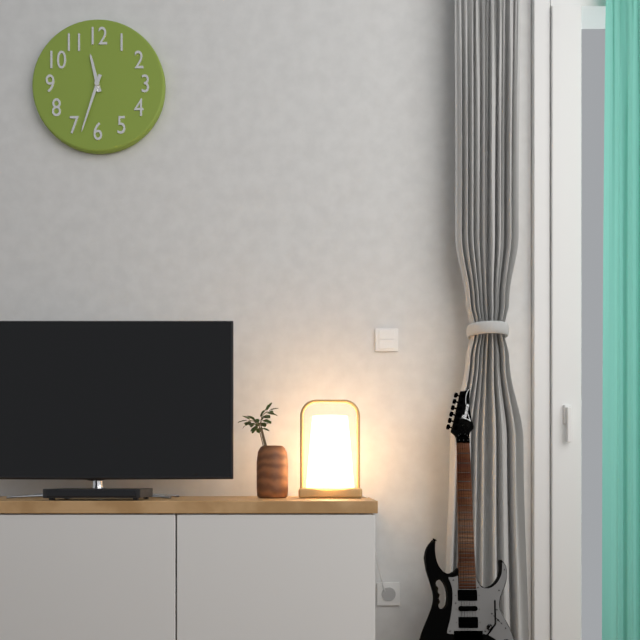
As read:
**11:33**
